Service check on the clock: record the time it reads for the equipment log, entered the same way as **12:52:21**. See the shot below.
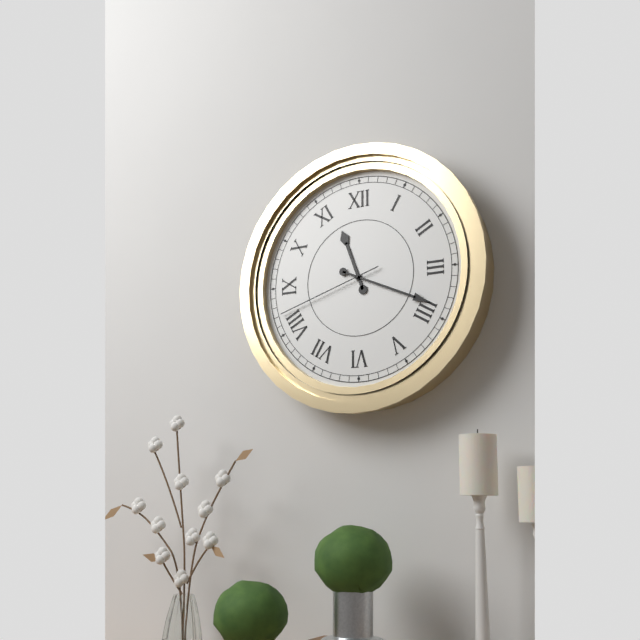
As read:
**11:19:42**
